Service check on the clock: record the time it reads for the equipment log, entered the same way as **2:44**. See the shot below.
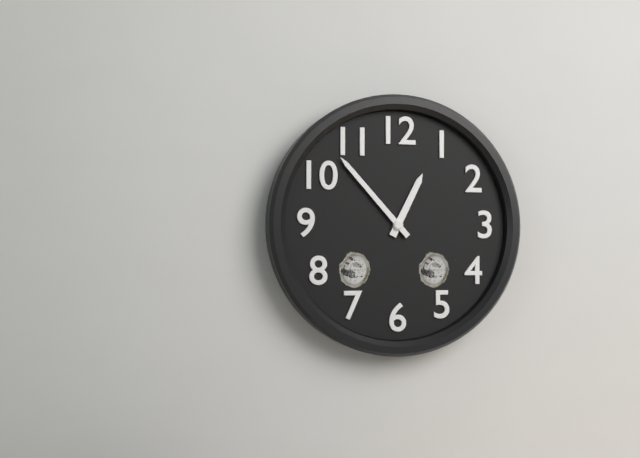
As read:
**12:53**
